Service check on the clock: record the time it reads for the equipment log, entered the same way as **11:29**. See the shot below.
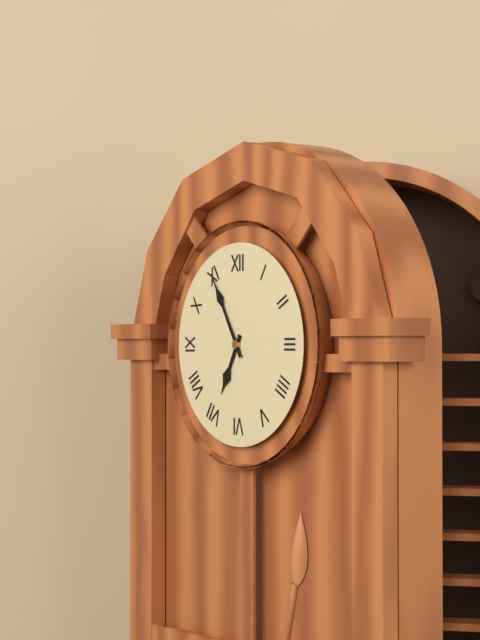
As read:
**6:55**
